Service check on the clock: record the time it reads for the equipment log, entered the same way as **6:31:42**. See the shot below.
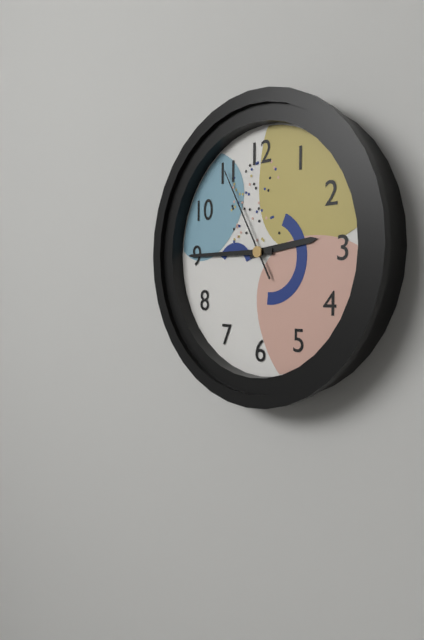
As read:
**2:45:55**
